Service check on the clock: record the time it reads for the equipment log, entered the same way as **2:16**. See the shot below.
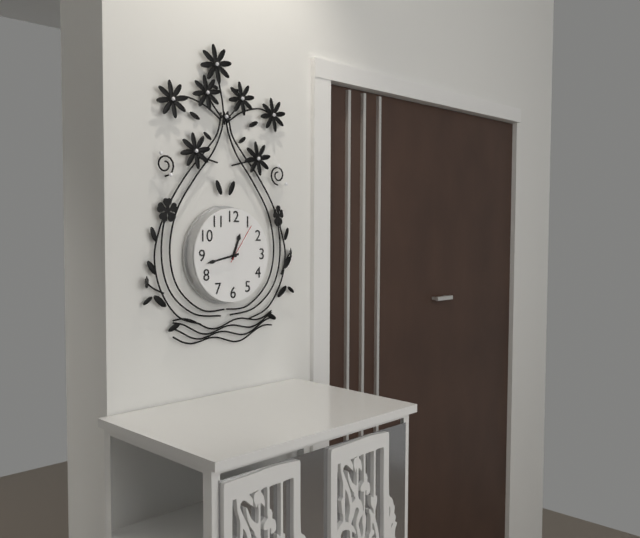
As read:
**12:43**
